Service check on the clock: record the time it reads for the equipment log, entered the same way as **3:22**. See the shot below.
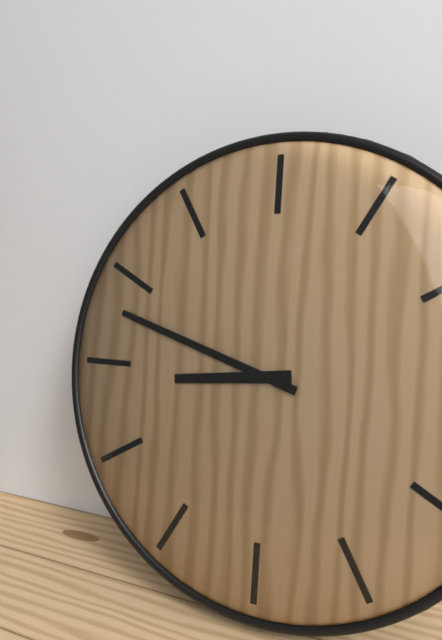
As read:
**8:48**
